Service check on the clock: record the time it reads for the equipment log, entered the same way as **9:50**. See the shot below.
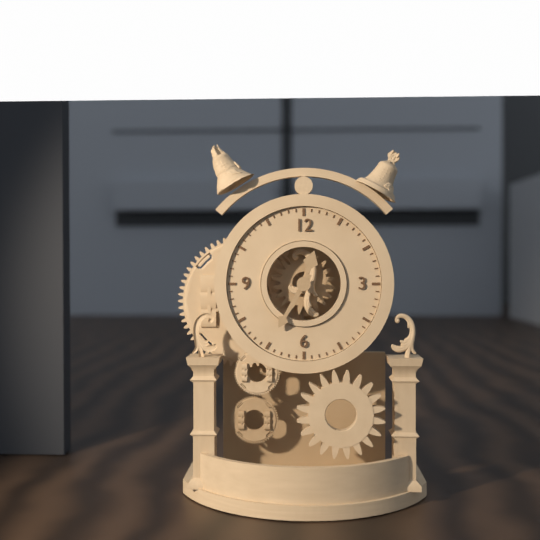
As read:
**12:35**
